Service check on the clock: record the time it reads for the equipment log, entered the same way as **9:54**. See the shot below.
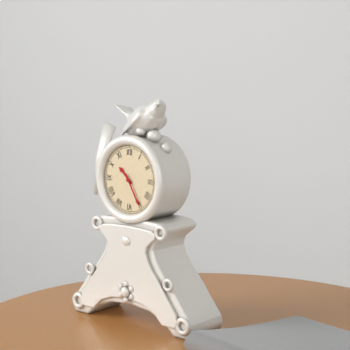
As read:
**10:25**
